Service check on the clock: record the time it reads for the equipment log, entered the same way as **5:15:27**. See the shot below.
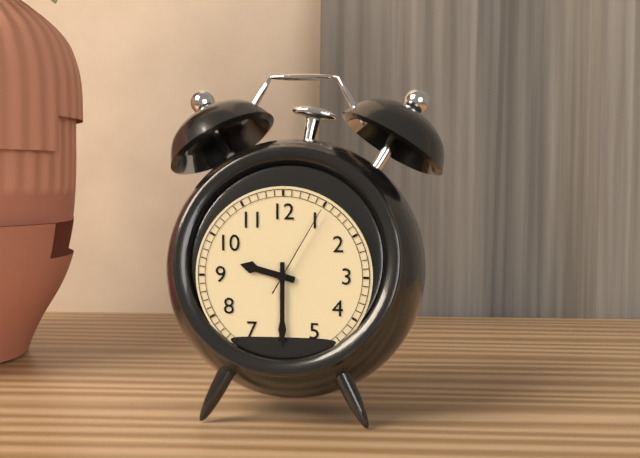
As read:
**9:30:05**
